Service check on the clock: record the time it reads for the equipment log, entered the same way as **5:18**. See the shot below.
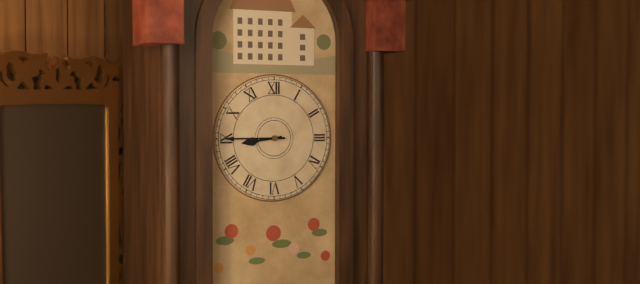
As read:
**8:45**
